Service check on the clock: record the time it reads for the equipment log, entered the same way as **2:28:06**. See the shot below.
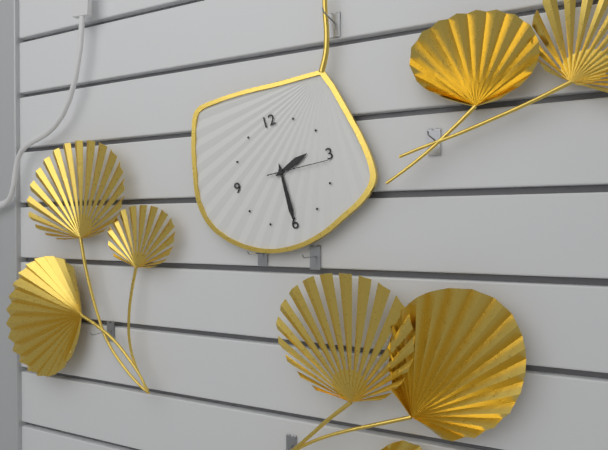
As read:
**2:30:16**
